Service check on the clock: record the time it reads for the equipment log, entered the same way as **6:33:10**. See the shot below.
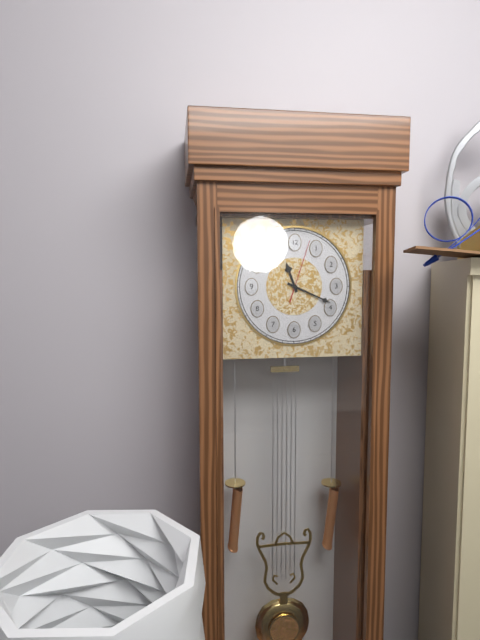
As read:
**11:19:03**
